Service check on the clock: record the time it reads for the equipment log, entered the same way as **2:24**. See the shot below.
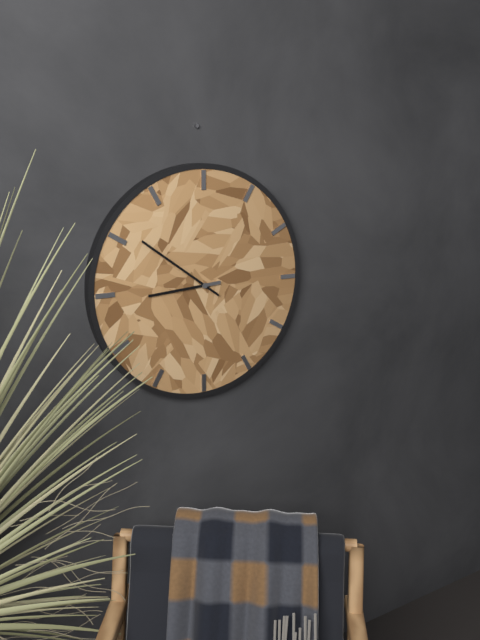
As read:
**8:51**
